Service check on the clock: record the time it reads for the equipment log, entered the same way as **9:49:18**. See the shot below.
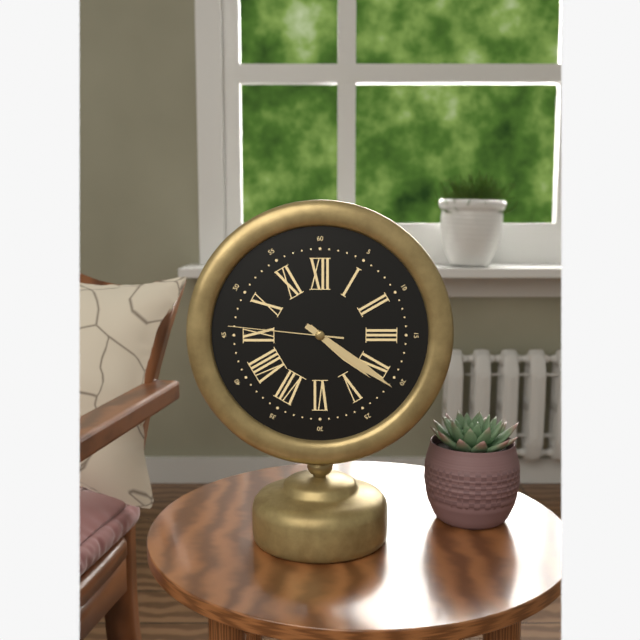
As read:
**4:21:46**
